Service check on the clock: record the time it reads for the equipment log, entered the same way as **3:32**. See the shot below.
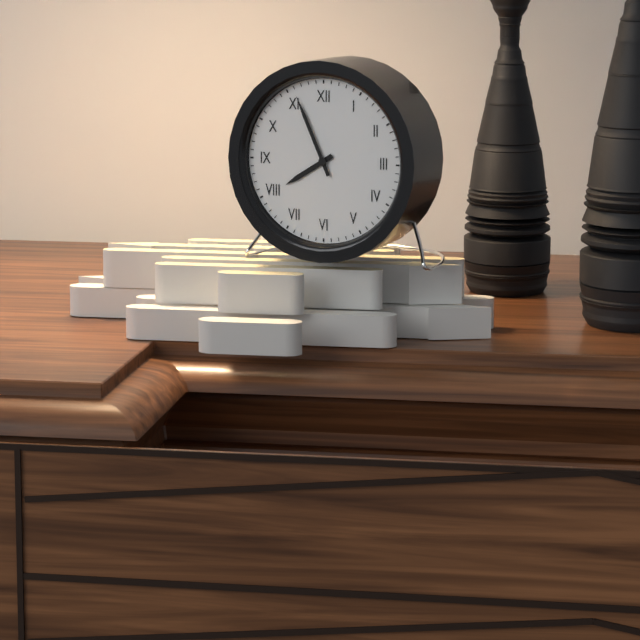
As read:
**7:56**
